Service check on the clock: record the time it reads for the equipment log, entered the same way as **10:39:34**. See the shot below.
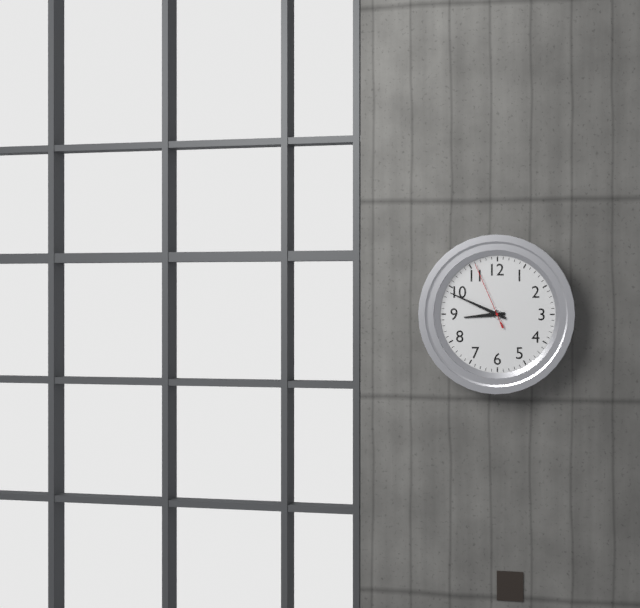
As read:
**8:49:56**
